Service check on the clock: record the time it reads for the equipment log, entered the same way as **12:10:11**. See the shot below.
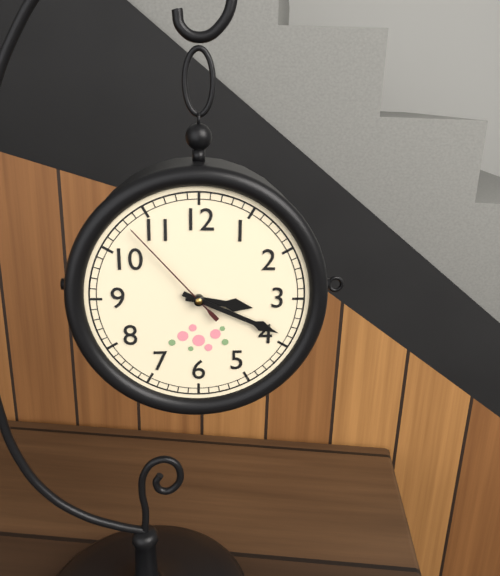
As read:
**3:19:53**
